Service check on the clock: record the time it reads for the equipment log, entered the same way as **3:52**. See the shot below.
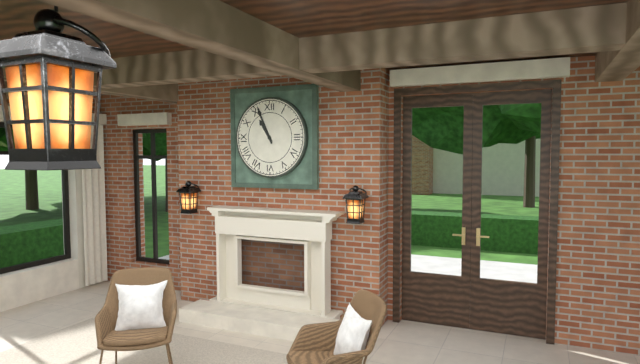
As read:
**10:56**
